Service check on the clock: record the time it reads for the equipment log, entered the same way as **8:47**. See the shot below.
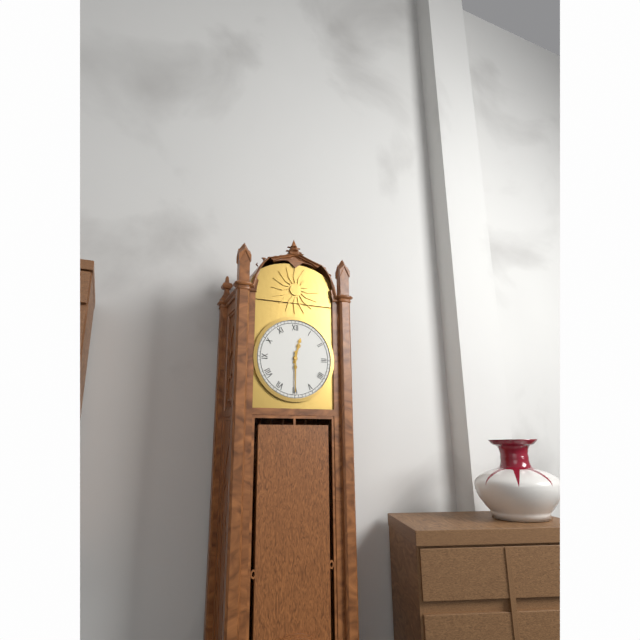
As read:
**12:30**
